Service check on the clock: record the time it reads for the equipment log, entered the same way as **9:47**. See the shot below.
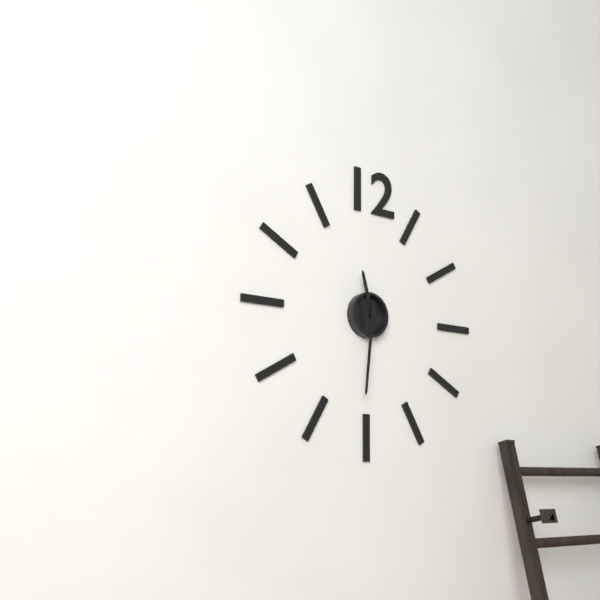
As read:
**11:31**
